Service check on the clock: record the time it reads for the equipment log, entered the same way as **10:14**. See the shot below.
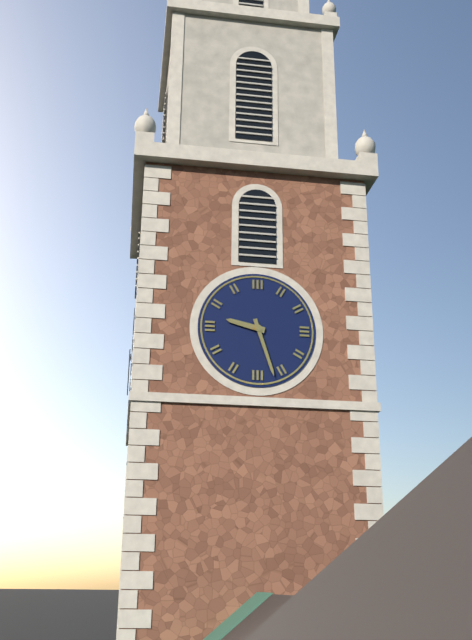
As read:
**9:27**
